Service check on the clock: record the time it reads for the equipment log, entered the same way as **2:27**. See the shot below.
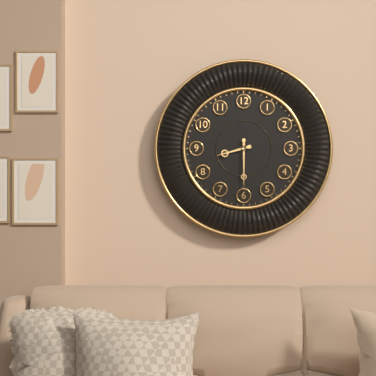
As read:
**8:30**
